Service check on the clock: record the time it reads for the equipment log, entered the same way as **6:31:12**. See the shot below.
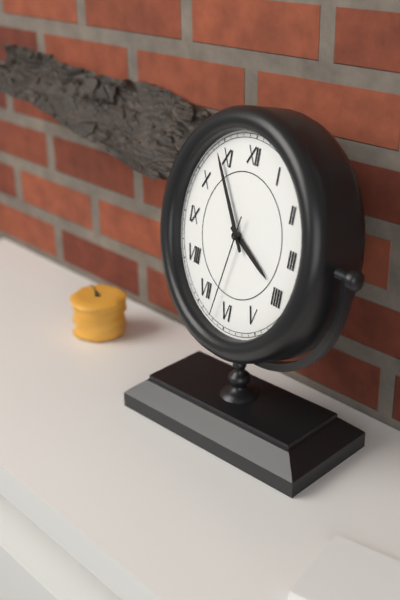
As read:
**3:54:32**
